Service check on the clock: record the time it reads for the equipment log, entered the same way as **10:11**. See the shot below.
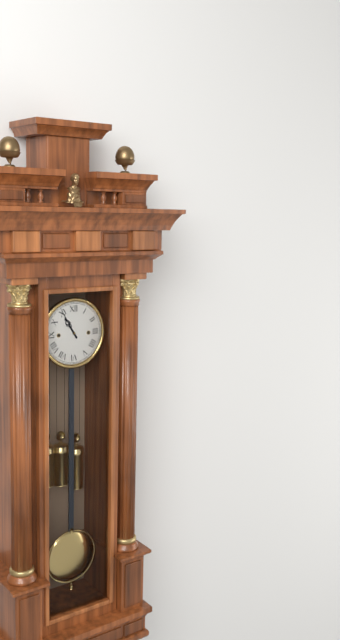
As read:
**10:55**
